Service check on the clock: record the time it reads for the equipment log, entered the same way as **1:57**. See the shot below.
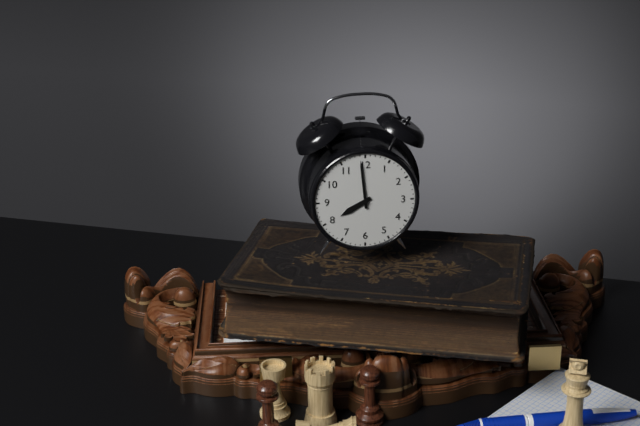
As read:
**7:59**
